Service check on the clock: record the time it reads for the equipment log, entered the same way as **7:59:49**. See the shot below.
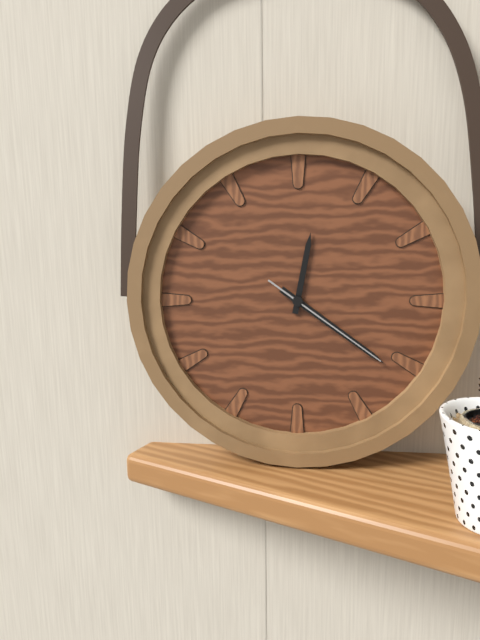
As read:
**12:21:21**
